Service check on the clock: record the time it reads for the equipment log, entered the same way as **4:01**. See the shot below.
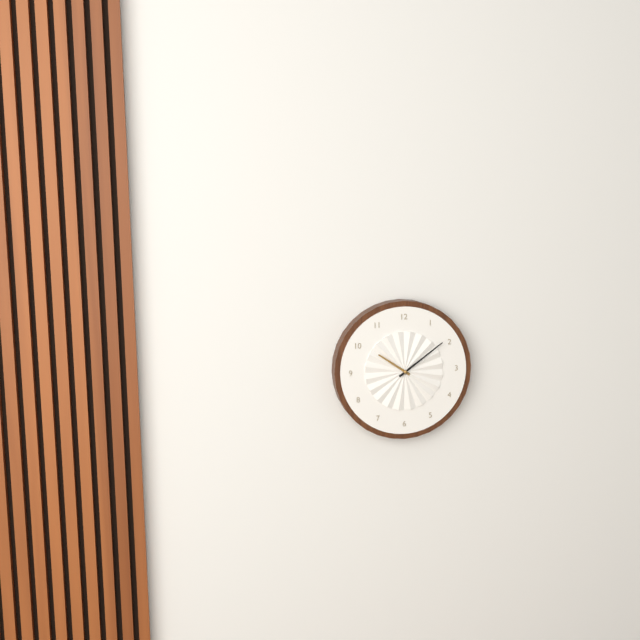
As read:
**10:09**
